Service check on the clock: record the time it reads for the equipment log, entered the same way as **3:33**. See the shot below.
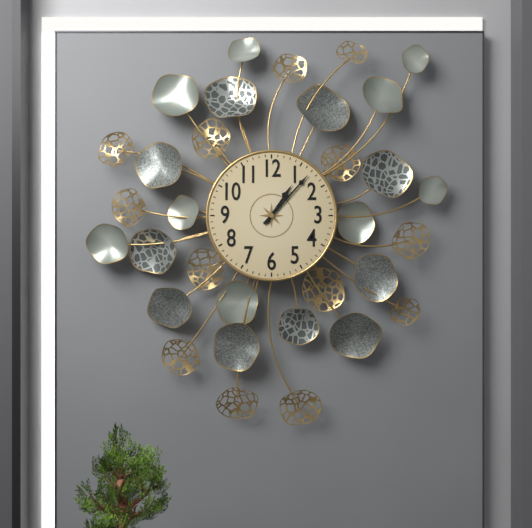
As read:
**1:07**
